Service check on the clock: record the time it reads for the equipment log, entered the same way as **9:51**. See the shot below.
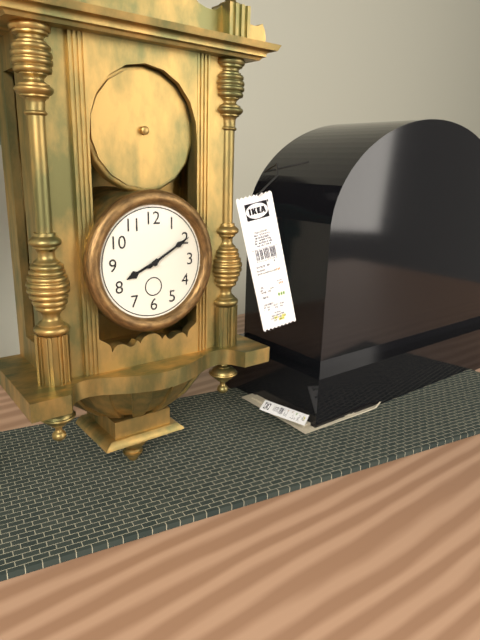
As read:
**8:10**
